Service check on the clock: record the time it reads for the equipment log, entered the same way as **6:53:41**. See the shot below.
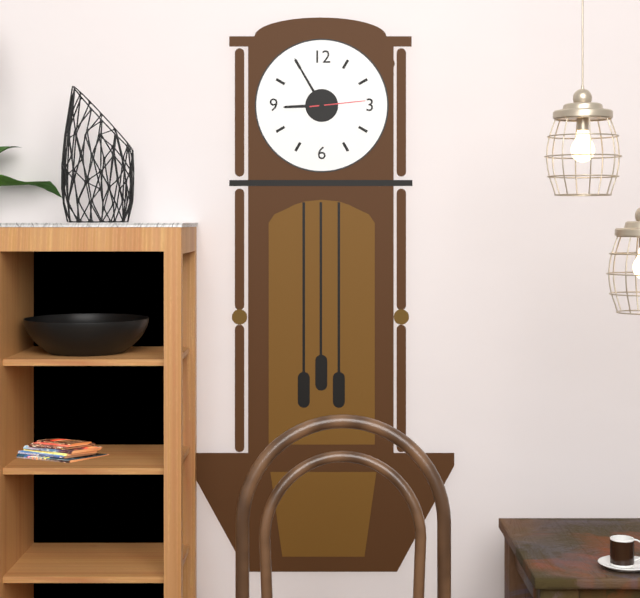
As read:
**8:55:14**
